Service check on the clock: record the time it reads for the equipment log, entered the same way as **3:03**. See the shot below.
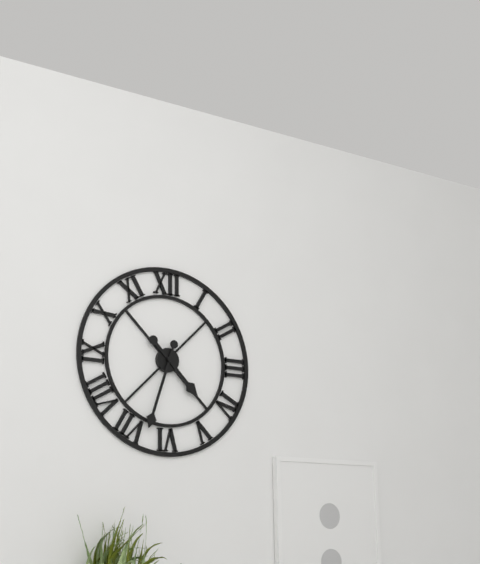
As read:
**4:33**
